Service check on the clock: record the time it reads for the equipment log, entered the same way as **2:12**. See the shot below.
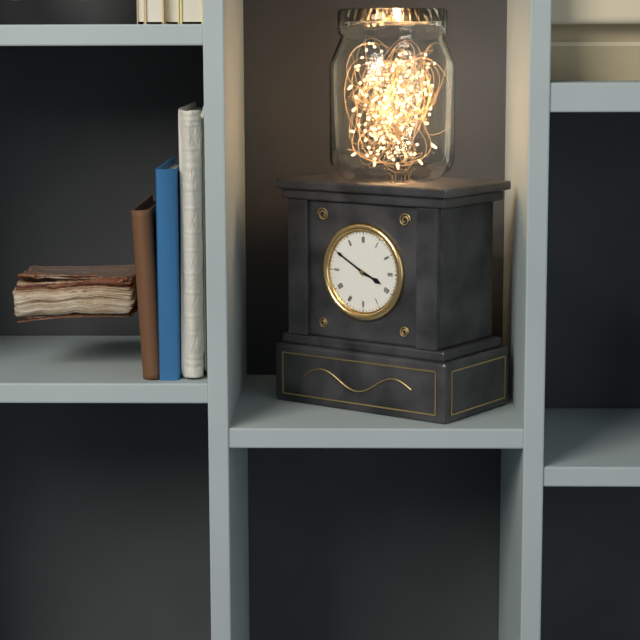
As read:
**3:50**
